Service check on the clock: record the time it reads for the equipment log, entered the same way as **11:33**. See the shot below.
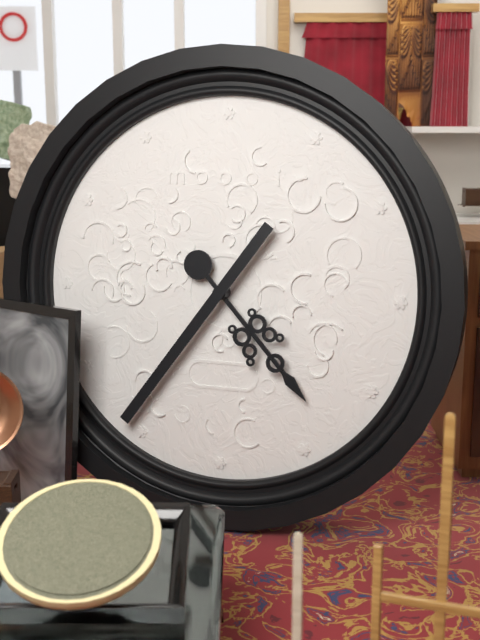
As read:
**4:36**
